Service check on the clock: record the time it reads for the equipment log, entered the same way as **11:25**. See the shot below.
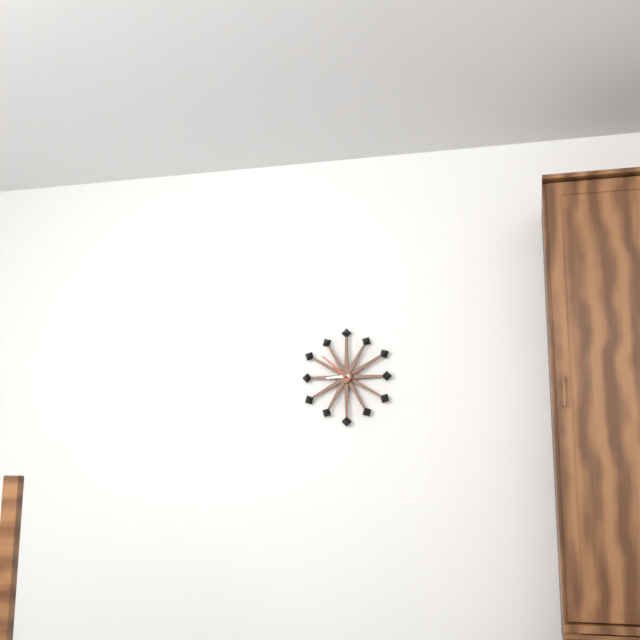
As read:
**8:52**
